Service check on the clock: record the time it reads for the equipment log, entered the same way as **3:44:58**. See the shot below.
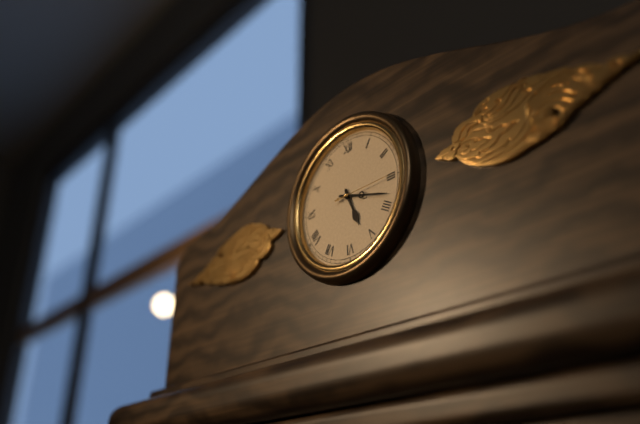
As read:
**5:18:15**
